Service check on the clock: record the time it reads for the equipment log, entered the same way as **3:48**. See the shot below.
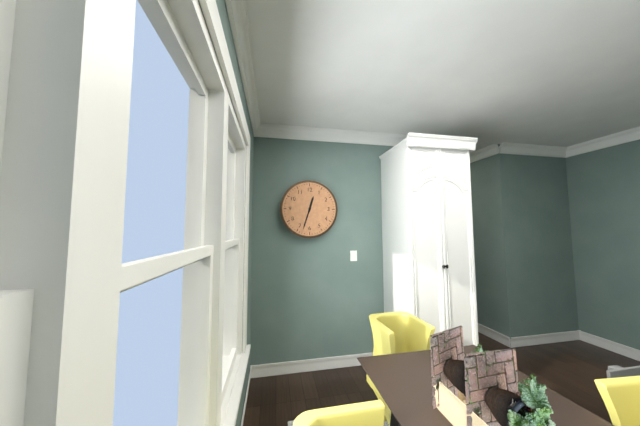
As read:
**12:33**
